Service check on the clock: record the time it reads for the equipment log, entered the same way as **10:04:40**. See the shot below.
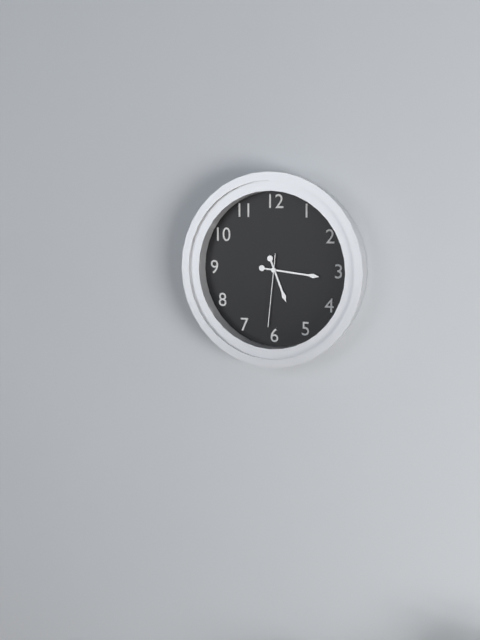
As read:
**5:16:31**
